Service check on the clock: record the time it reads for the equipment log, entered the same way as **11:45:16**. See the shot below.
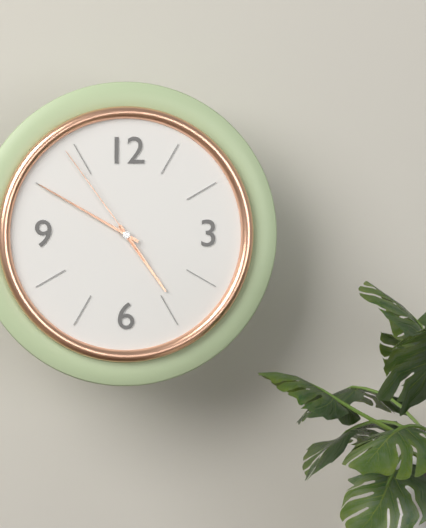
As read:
**4:50:54**
